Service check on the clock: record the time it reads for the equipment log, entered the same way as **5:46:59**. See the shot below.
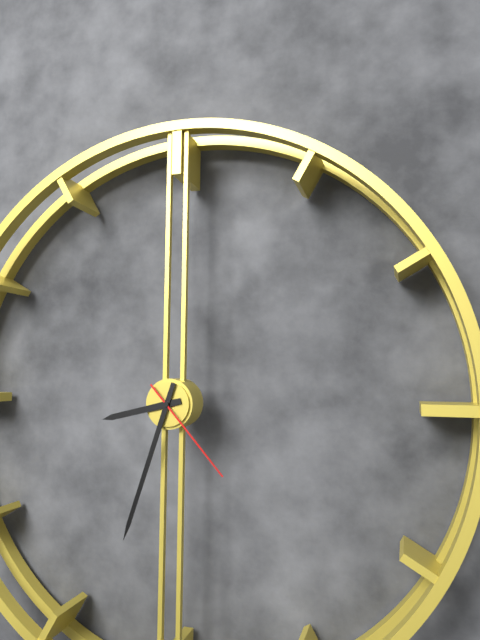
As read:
**8:33:23**
